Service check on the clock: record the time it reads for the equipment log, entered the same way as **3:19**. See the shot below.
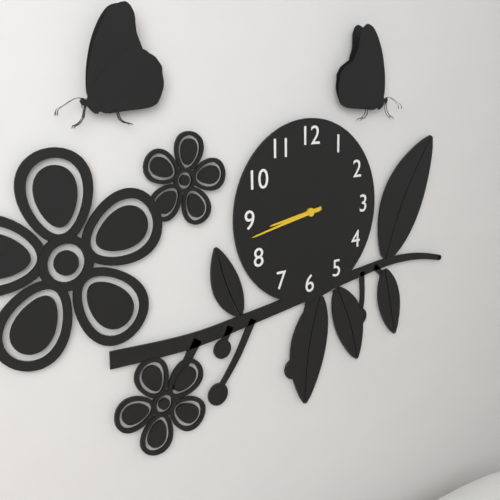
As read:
**8:43**
